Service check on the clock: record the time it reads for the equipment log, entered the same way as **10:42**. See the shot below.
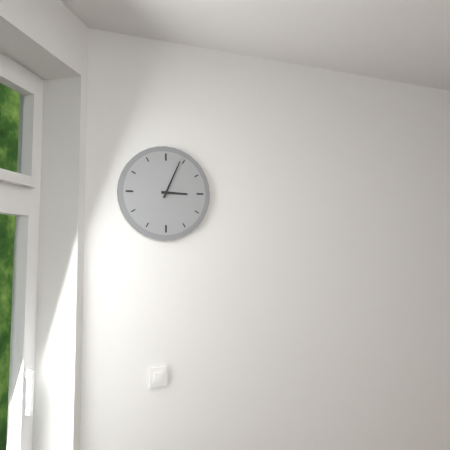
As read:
**3:04**
